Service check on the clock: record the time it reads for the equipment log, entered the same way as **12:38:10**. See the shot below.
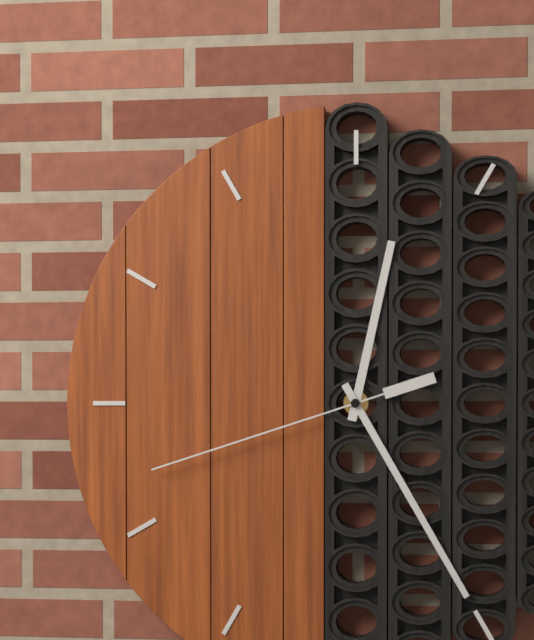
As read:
**12:25:42**
